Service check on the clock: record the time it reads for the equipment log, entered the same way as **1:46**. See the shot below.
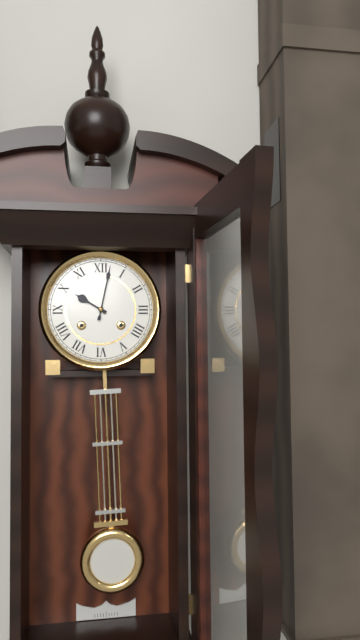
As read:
**10:02**
